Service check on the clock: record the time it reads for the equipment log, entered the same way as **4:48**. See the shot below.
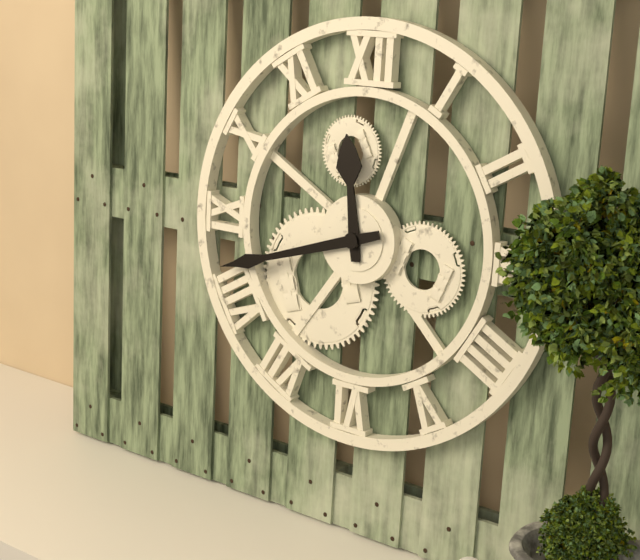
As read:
**11:42**
